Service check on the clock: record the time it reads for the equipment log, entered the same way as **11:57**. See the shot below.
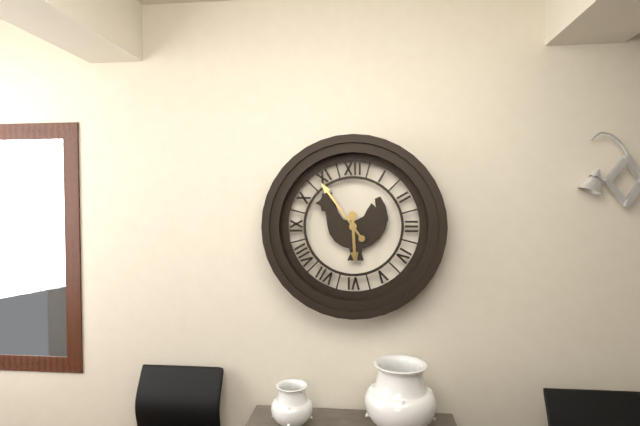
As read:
**5:54**
